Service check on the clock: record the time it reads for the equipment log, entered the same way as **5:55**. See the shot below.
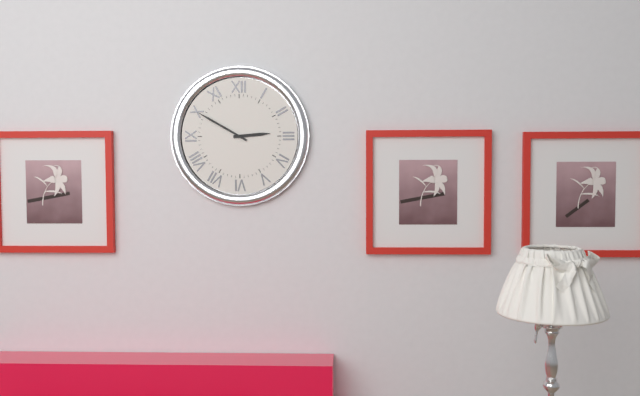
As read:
**2:50**
